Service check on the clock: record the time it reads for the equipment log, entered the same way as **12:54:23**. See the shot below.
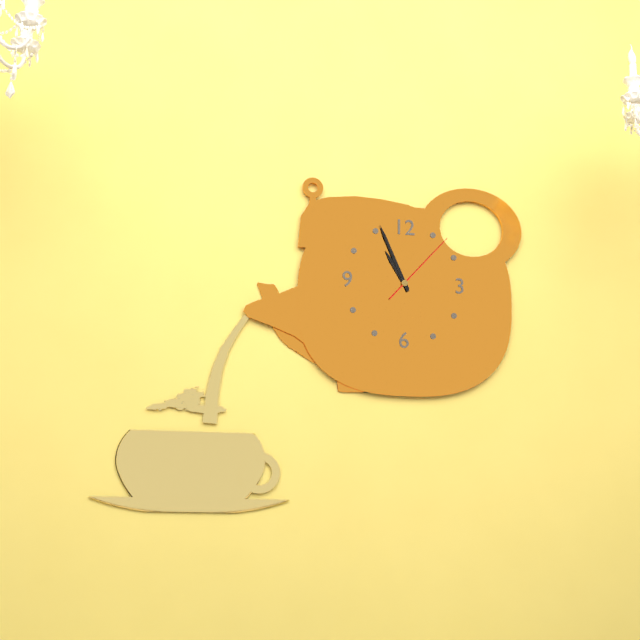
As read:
**10:56:07**
